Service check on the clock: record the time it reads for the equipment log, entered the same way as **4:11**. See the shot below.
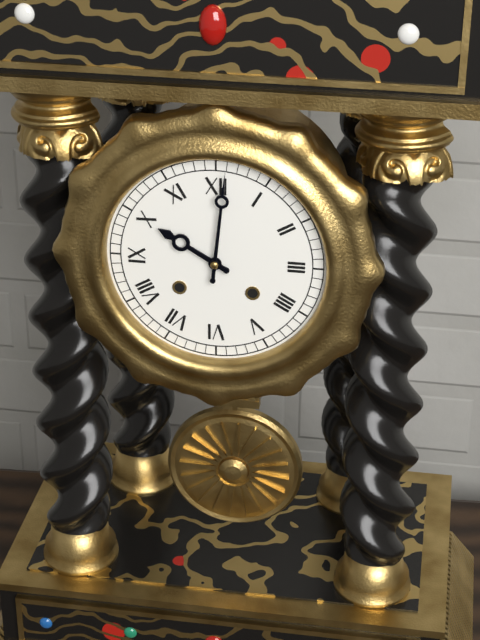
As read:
**10:01**
